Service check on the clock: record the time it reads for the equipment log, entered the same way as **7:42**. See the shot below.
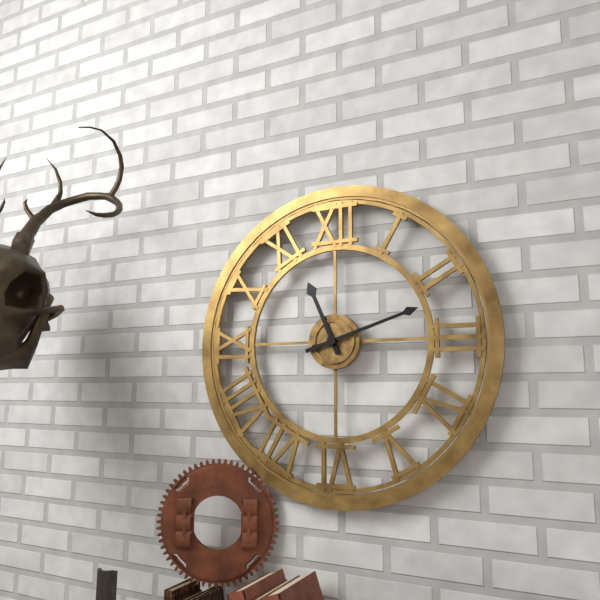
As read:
**11:12**
